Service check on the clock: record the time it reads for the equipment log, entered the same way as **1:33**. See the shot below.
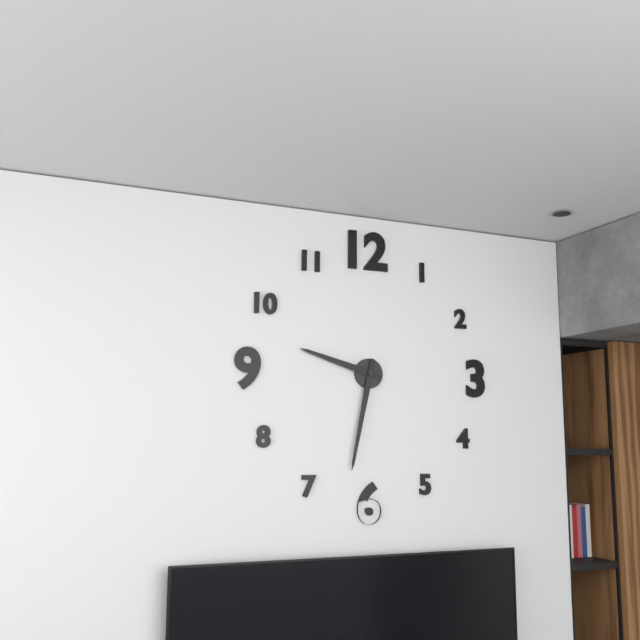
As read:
**9:32**
